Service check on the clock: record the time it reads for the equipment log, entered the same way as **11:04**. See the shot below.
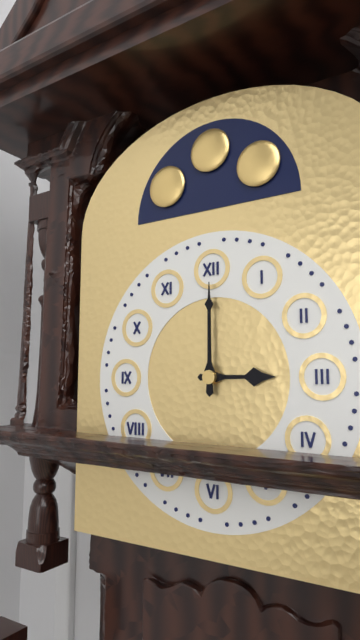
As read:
**3:00**
